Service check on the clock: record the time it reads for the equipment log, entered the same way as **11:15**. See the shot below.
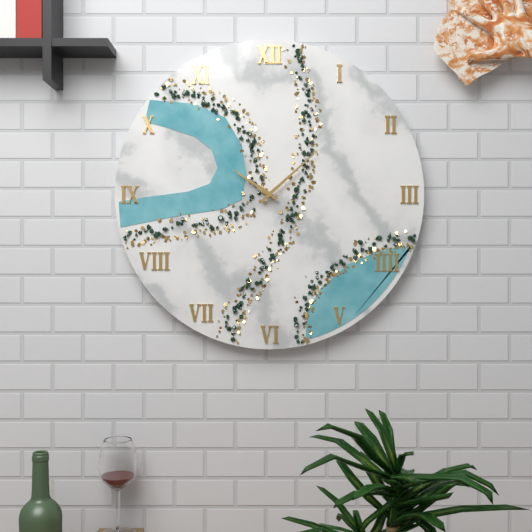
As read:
**10:08**
